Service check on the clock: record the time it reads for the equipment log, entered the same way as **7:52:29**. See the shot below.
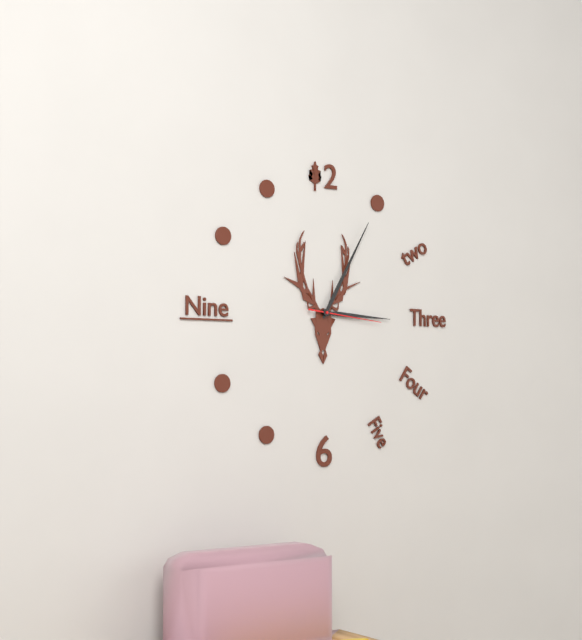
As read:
**3:05:16**
